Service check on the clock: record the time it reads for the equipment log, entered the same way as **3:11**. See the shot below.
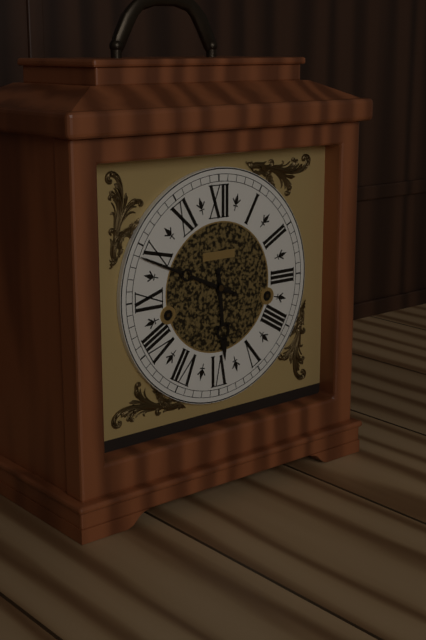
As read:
**5:49**
